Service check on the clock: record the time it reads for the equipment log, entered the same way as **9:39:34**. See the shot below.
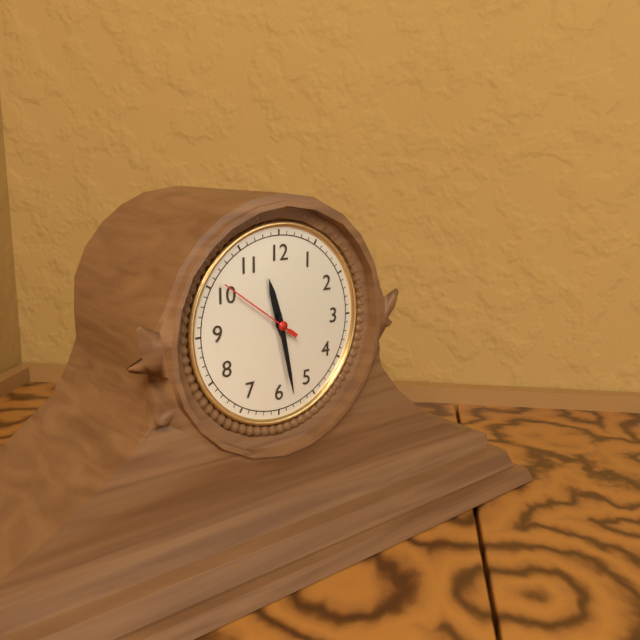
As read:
**11:28:51**
